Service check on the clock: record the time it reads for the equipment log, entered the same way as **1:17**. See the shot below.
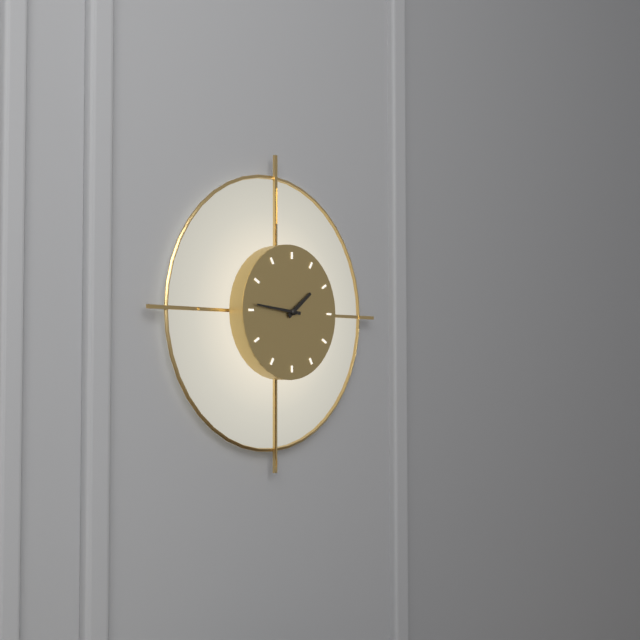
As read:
**1:46**
